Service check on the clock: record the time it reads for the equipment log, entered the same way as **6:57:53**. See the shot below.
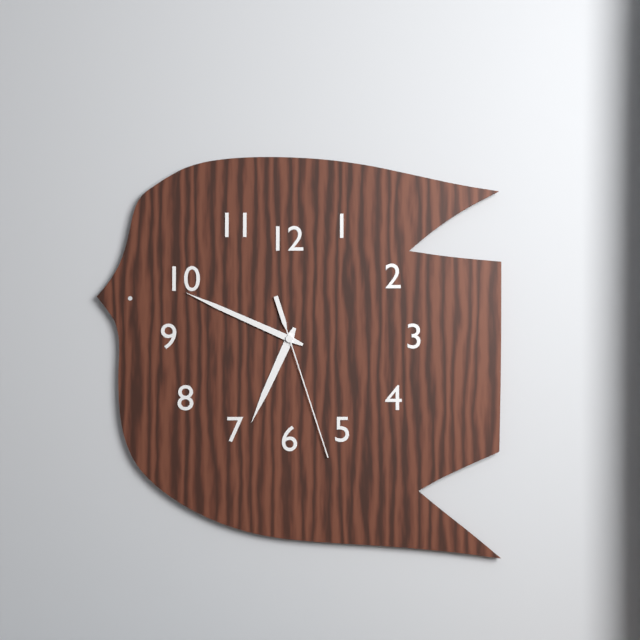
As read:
**6:49:27**
